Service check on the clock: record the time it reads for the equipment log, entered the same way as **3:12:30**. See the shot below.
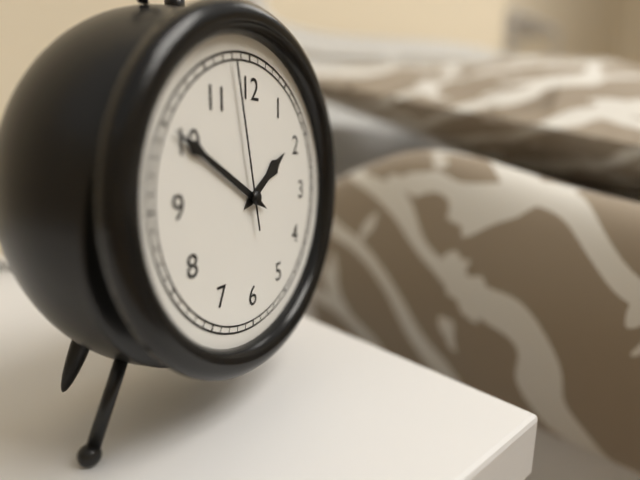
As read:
**1:50:58**
